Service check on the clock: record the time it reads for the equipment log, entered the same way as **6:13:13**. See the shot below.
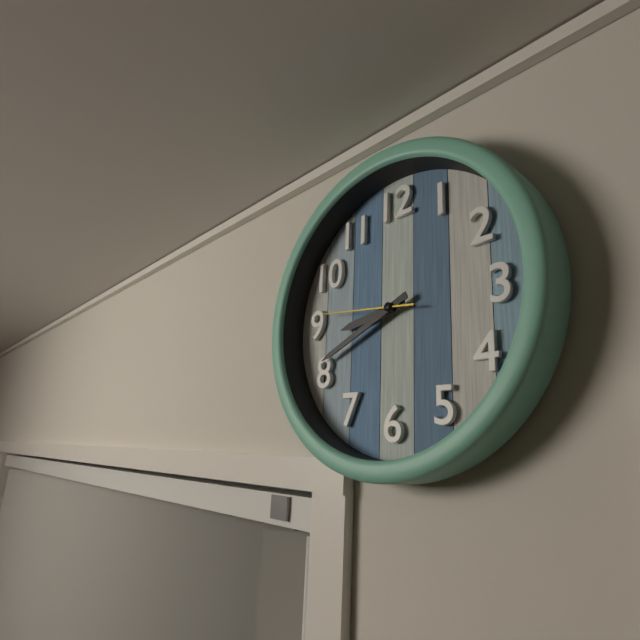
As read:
**8:41:46**
